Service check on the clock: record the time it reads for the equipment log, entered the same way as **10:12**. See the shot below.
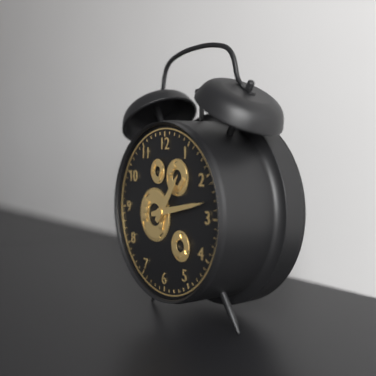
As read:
**1:13**
